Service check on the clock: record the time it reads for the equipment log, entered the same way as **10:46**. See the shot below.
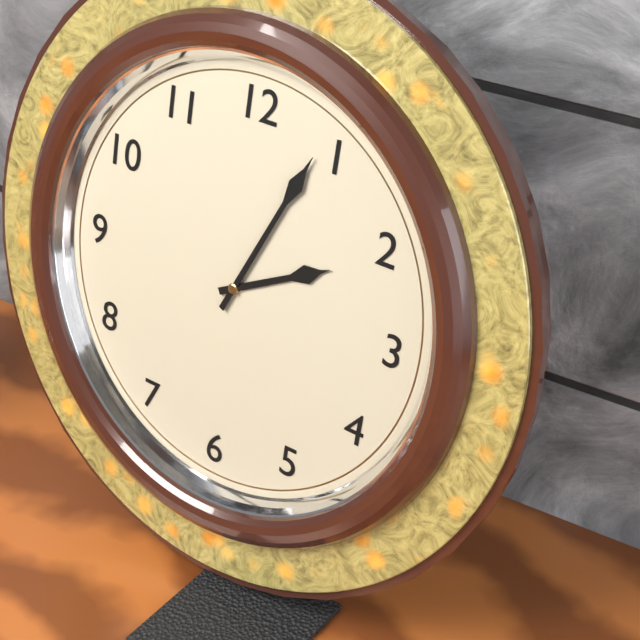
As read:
**2:04**
